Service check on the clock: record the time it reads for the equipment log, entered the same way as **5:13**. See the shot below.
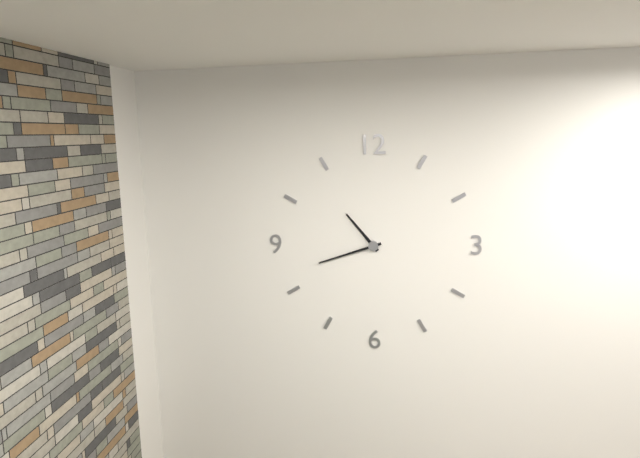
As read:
**10:42**
